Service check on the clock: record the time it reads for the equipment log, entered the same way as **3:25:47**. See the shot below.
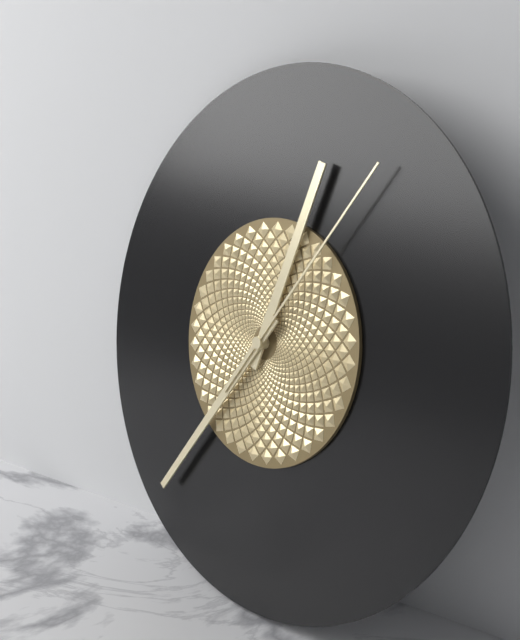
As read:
**12:36:06**
